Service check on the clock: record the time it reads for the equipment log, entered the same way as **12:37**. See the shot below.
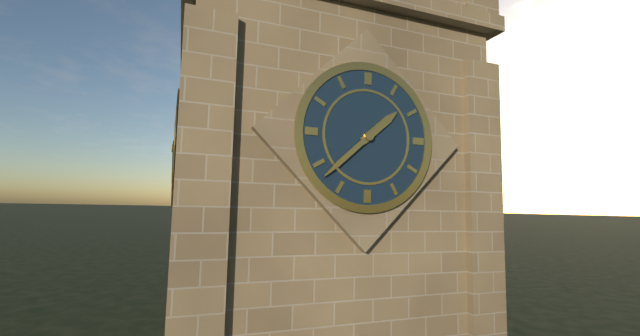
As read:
**1:38**
